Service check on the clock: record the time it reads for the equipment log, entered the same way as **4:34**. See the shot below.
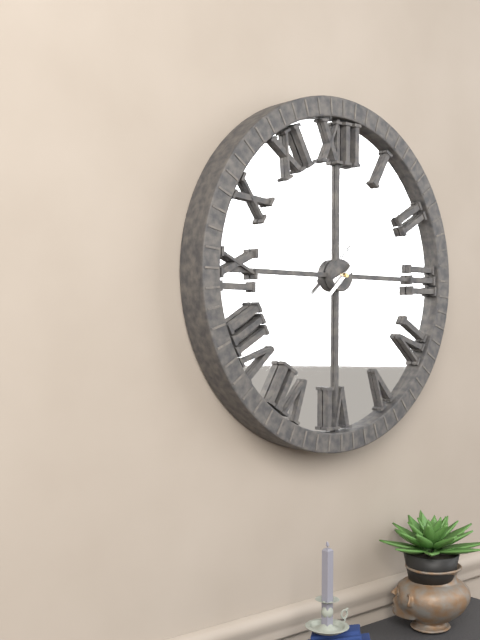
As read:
**2:08**
